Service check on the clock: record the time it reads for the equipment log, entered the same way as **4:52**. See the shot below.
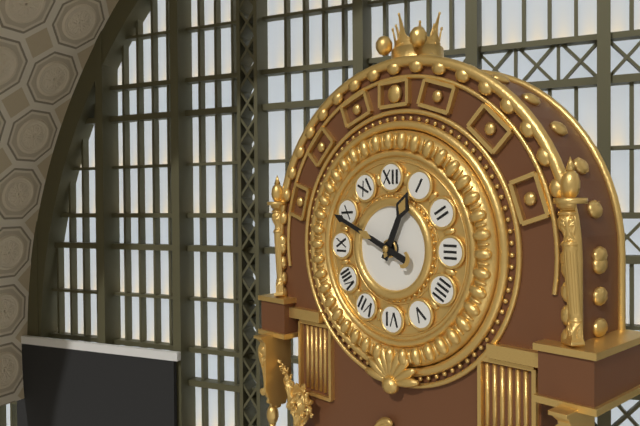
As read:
**12:49**
